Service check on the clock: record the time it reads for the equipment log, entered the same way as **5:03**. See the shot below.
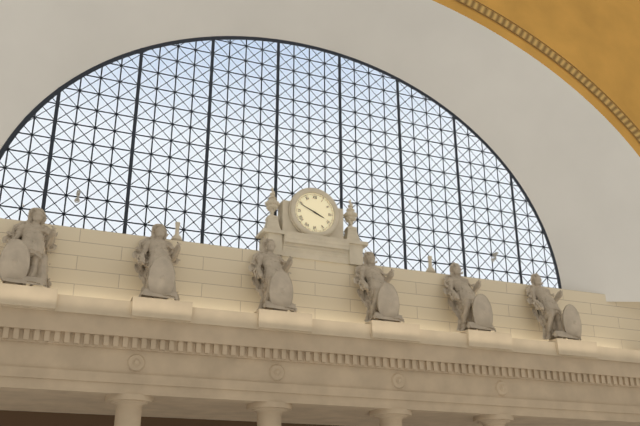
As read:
**3:49**
